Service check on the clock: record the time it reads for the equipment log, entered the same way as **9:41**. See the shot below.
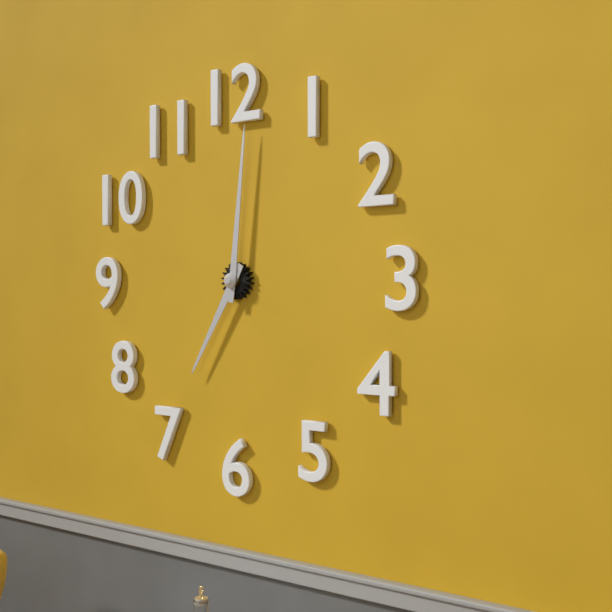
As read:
**7:01**
